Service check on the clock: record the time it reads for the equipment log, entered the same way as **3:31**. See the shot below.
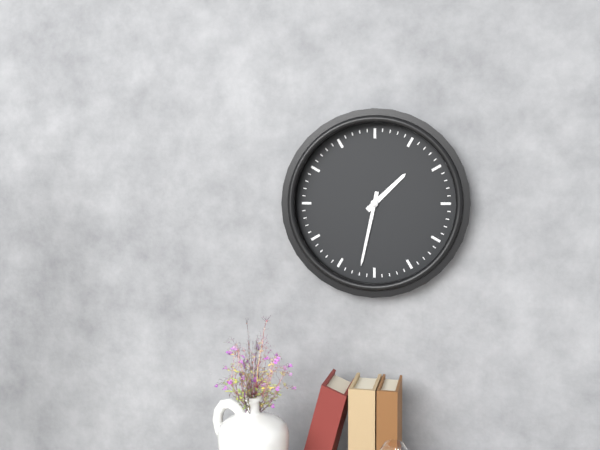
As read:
**1:32**
